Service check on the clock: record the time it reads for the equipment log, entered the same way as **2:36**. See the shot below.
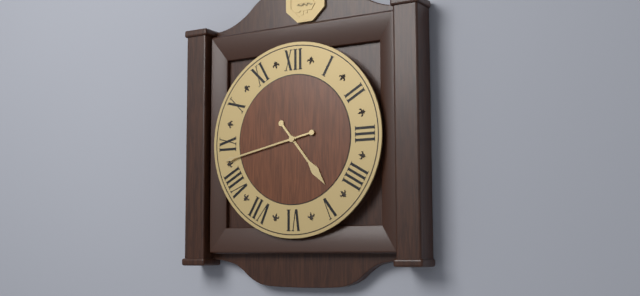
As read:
**4:43**
